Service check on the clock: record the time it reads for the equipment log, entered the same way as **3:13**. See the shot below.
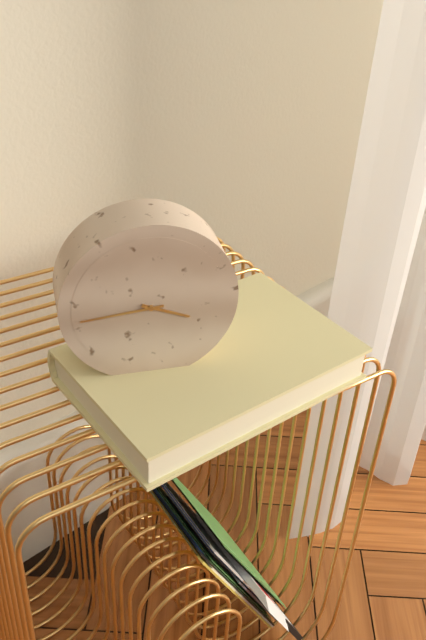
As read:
**3:44**
